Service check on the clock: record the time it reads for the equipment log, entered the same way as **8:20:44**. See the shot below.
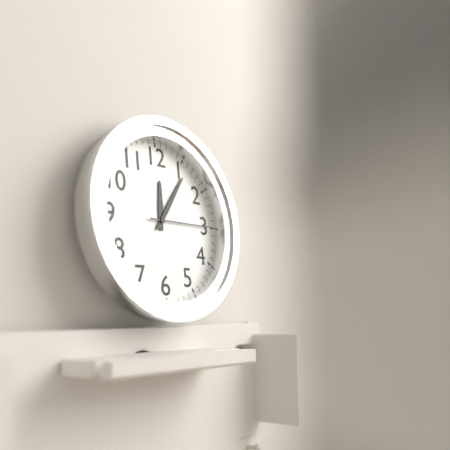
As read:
**12:06:15**
